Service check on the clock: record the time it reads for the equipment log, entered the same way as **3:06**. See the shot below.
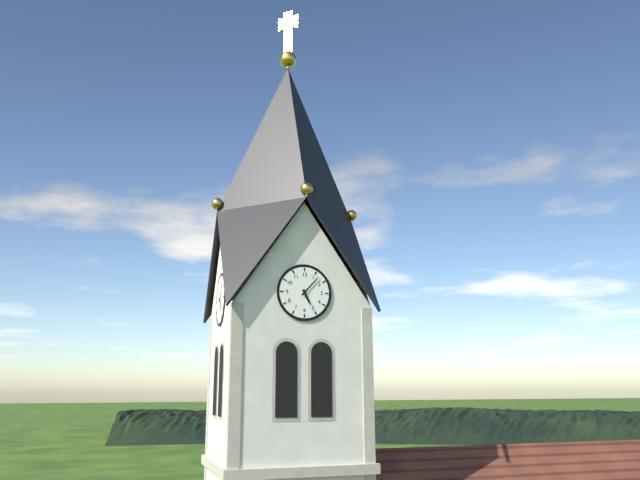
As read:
**5:07**
